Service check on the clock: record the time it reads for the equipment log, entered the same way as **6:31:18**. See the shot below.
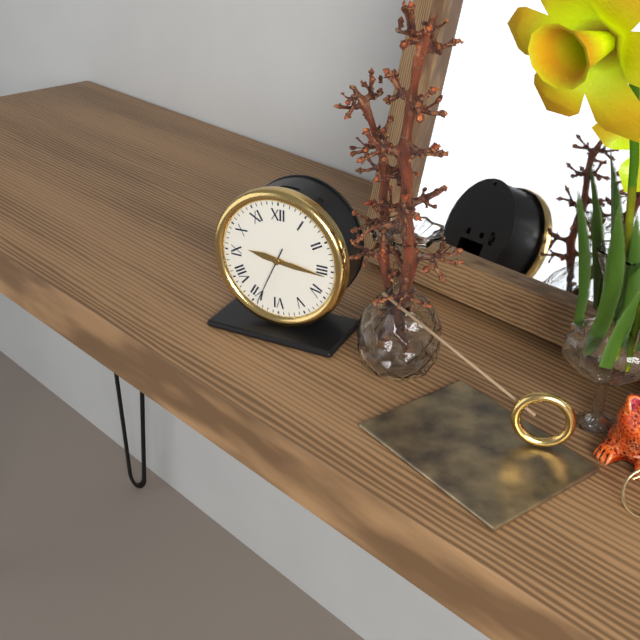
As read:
**9:16:34**
